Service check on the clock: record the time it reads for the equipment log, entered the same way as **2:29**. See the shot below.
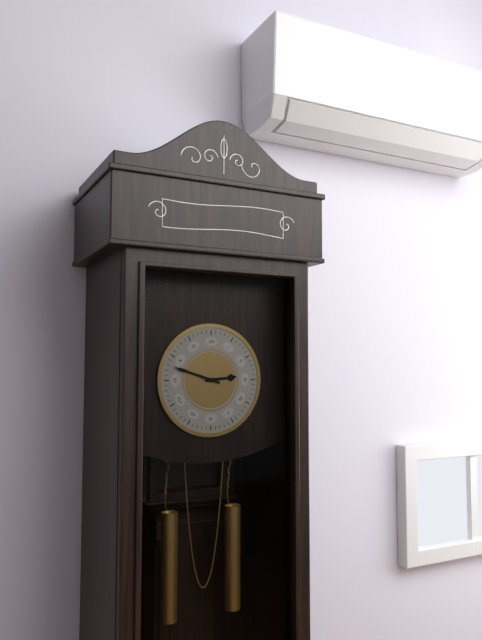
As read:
**2:48**
